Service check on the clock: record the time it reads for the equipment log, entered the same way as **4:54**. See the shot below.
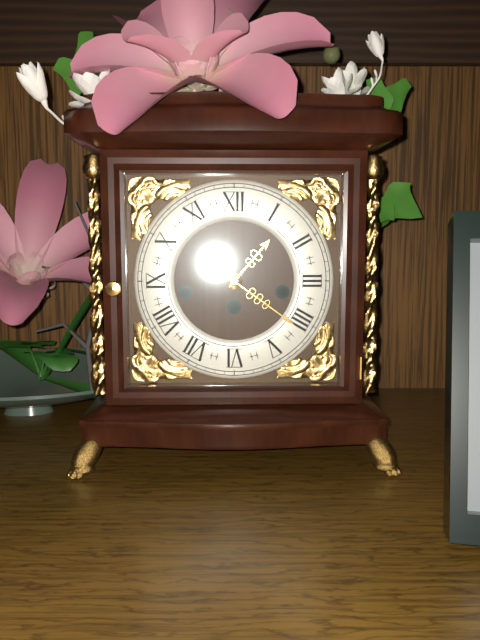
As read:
**1:21**
